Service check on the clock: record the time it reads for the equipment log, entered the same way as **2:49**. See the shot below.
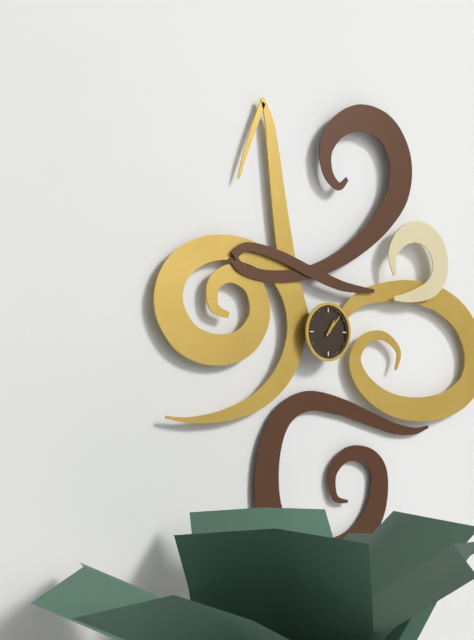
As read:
**1:07**
